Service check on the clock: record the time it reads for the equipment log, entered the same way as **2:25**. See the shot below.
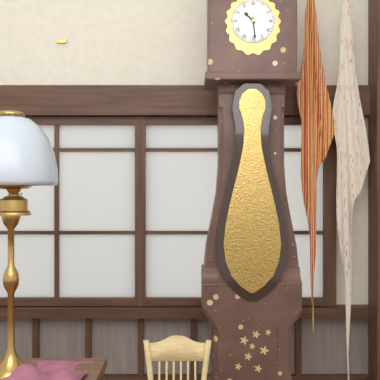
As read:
**10:29**
